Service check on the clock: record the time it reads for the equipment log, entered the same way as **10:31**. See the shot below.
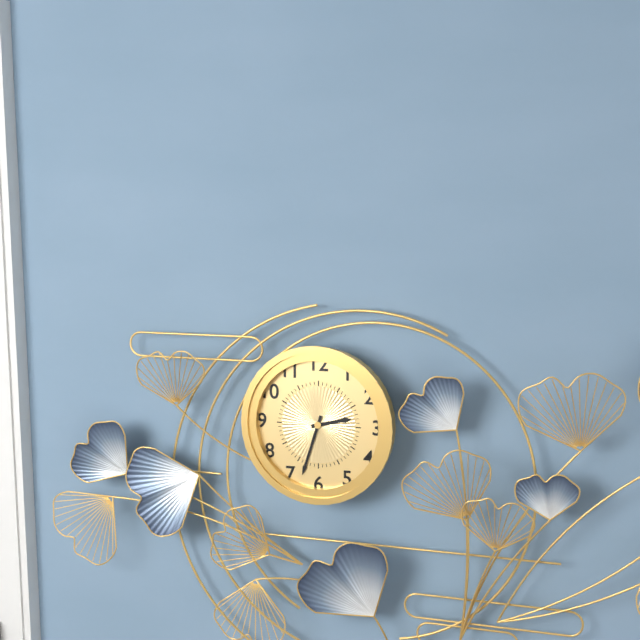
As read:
**2:33**
